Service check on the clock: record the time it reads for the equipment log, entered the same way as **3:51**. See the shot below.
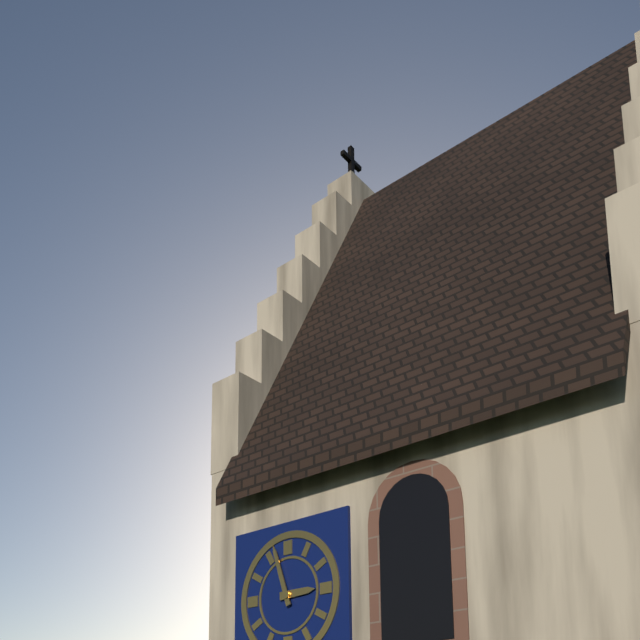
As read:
**2:57**
